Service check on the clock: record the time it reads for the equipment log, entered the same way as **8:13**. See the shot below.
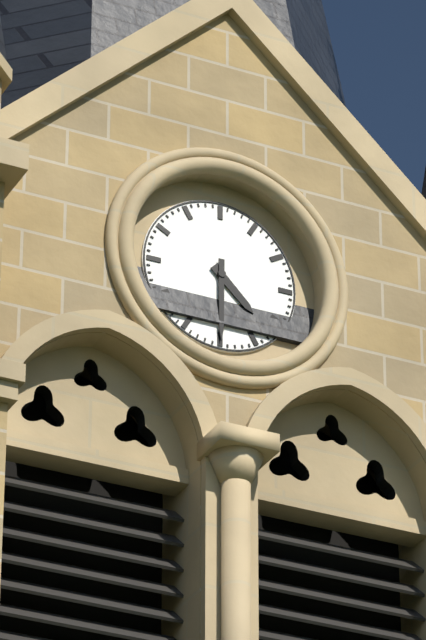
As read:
**4:30**
